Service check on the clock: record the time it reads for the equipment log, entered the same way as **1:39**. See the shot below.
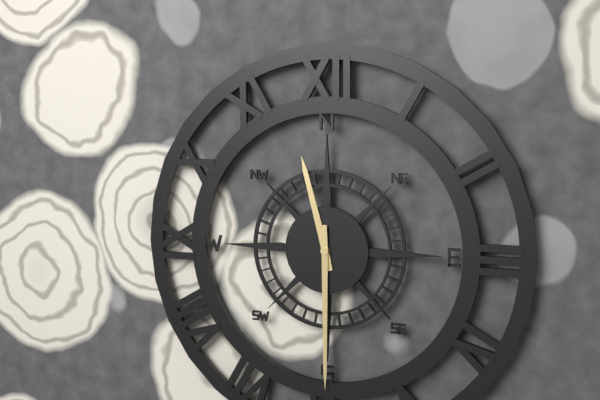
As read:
**11:30**
